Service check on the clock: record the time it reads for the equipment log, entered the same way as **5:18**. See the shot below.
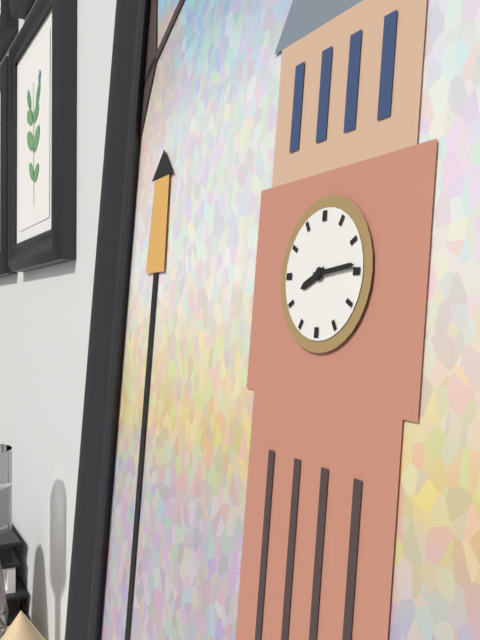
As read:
**8:14**
